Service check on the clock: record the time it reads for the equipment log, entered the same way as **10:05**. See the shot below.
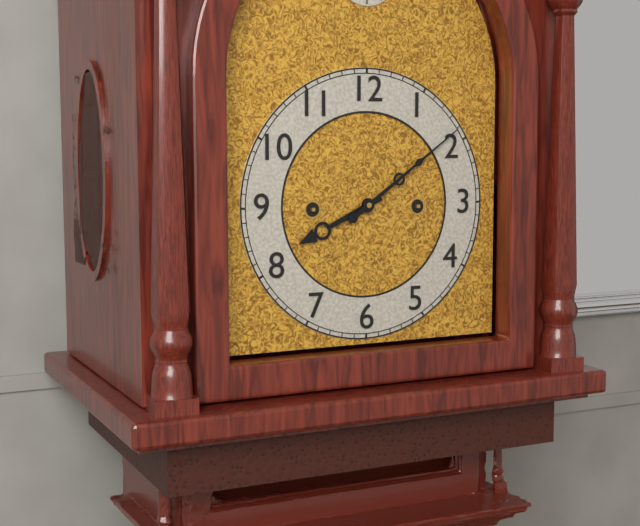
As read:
**8:09**
